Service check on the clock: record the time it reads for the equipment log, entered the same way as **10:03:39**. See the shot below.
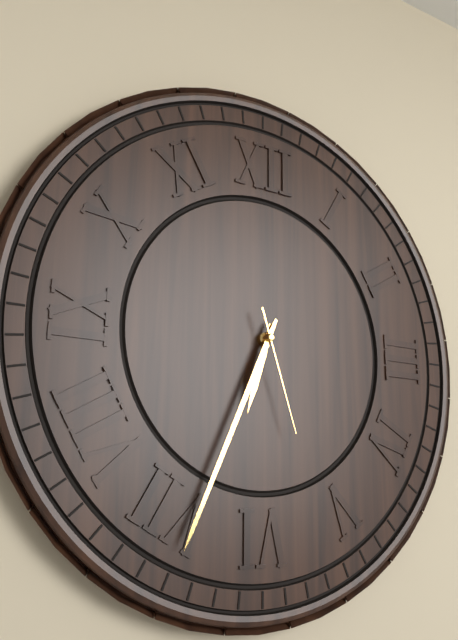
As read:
**6:34:27**
